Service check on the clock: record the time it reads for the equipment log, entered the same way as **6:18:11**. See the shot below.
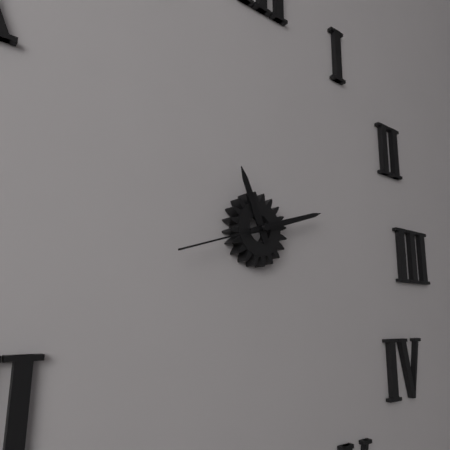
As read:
**11:12:42**
